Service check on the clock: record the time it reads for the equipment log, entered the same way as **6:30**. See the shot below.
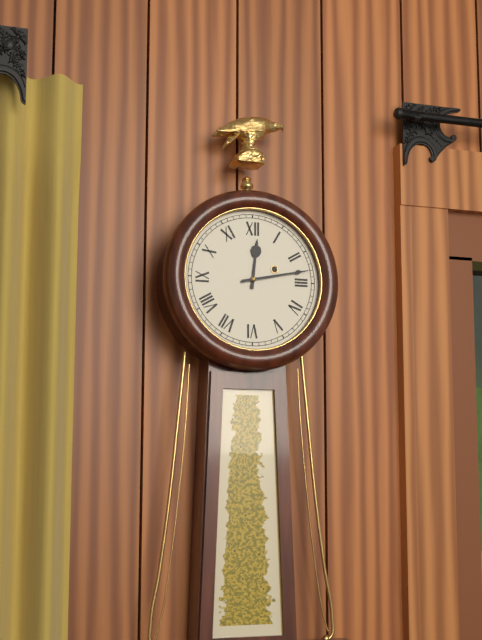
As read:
**12:13**
